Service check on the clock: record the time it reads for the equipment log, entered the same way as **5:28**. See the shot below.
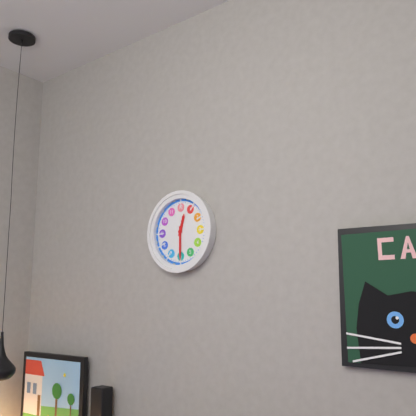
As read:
**12:30**
